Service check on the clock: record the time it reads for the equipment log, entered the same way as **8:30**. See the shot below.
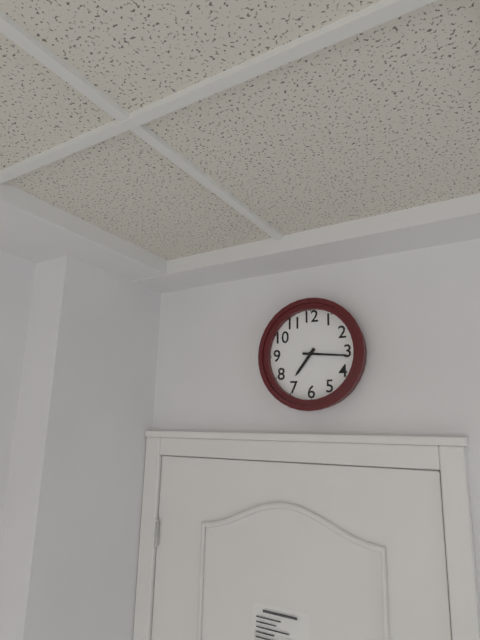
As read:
**7:16**
